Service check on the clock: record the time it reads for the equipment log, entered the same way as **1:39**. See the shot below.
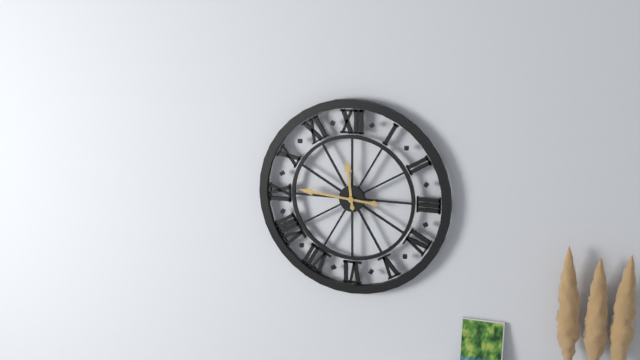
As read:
**11:46**
